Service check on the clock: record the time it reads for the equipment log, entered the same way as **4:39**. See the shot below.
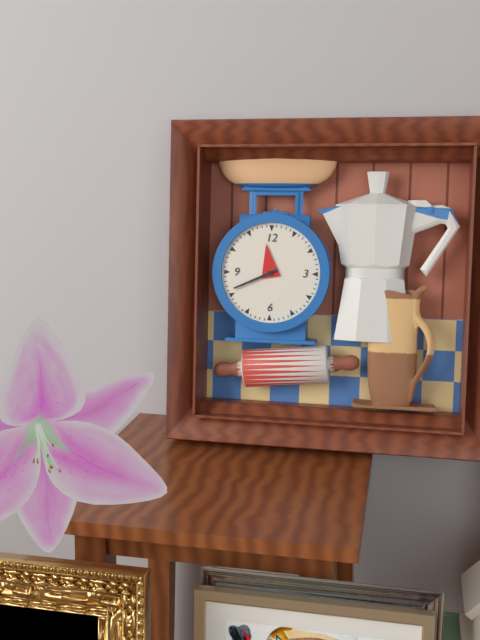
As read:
**11:41**
